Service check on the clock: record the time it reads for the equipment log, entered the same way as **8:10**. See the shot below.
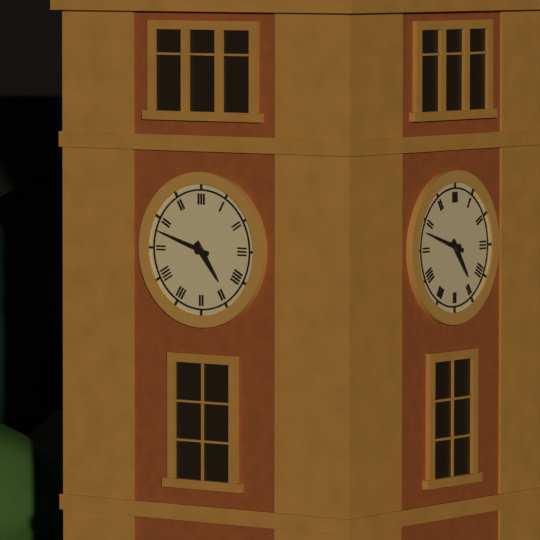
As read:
**4:48**
